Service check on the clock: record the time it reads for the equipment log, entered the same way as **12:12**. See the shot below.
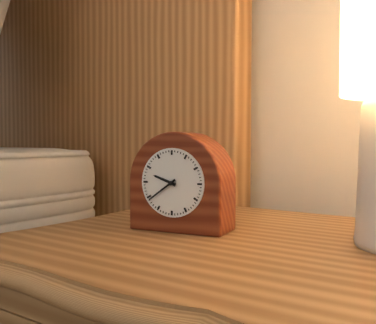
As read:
**9:39**
